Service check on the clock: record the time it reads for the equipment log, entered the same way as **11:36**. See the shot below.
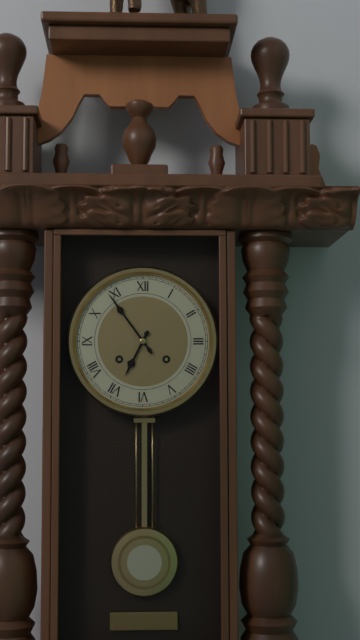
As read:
**6:54**
